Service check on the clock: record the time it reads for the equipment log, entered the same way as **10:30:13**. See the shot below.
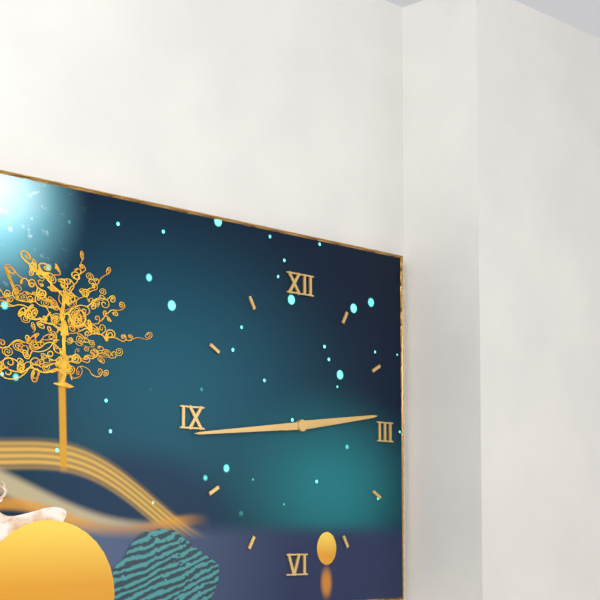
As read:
**2:44:44**
